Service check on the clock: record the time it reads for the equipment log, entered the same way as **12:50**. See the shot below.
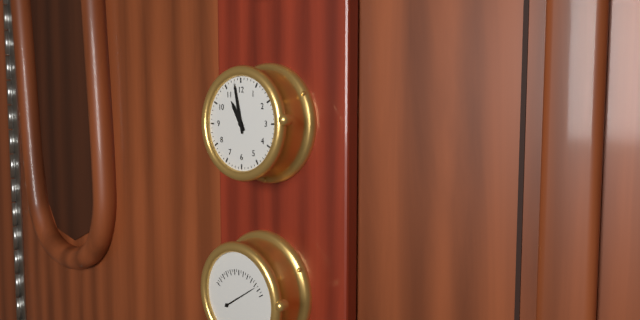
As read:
**10:58**
